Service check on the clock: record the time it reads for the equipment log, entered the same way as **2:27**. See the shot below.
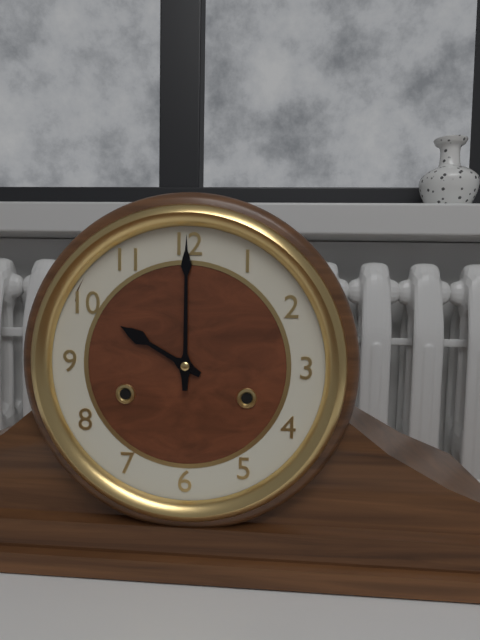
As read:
**10:00**
